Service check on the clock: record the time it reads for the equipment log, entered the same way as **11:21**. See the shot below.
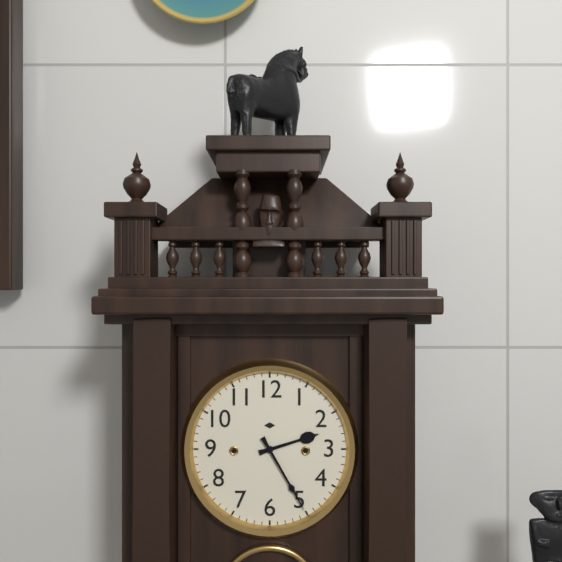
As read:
**2:25**
